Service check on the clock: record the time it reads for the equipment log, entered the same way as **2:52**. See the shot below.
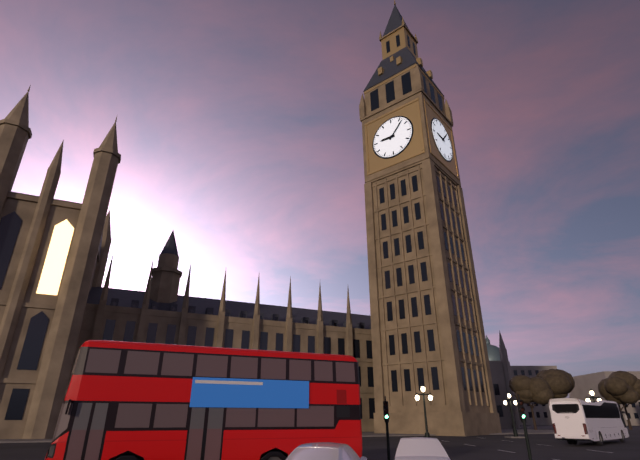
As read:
**9:07**
